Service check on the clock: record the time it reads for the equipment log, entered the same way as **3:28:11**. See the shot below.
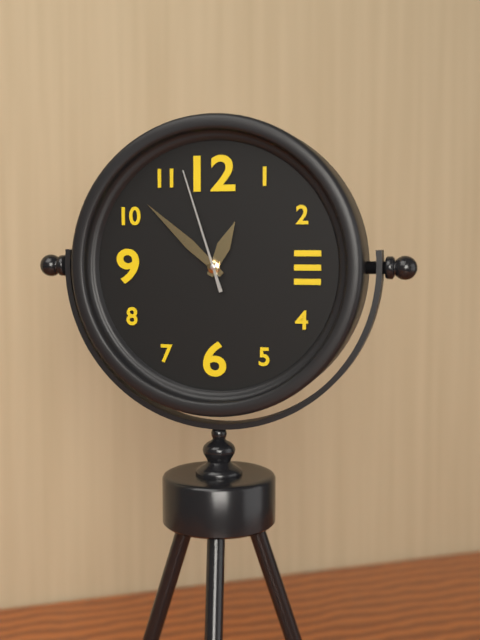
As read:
**12:52:57**
